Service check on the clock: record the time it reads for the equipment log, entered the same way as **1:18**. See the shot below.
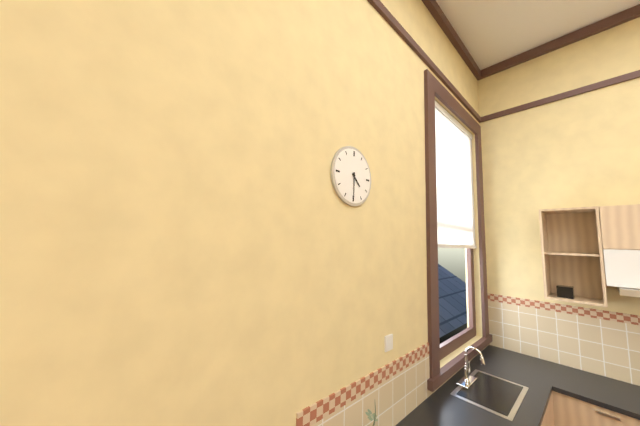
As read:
**4:30**
